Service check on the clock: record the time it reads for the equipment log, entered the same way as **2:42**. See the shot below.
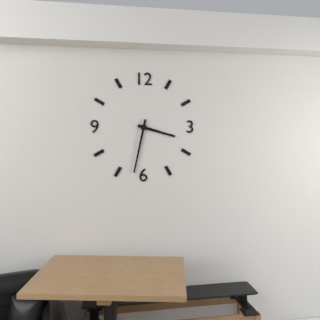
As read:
**3:32**
